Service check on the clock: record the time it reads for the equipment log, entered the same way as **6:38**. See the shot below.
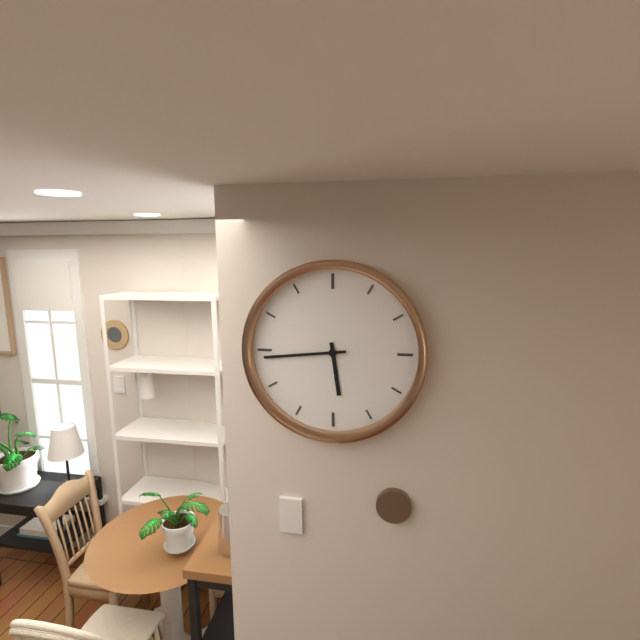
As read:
**5:44**
